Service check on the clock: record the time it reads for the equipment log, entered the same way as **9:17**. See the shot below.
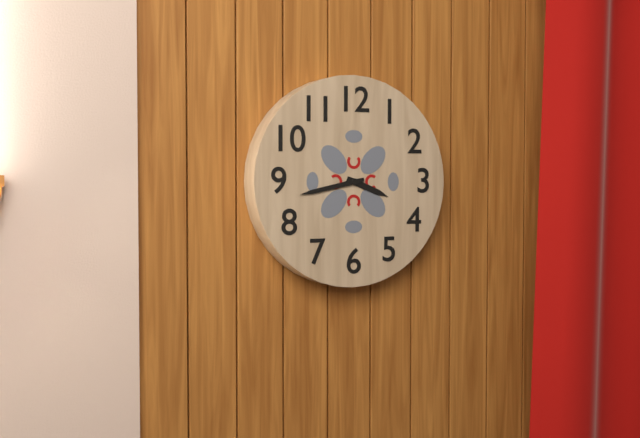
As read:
**3:43**
